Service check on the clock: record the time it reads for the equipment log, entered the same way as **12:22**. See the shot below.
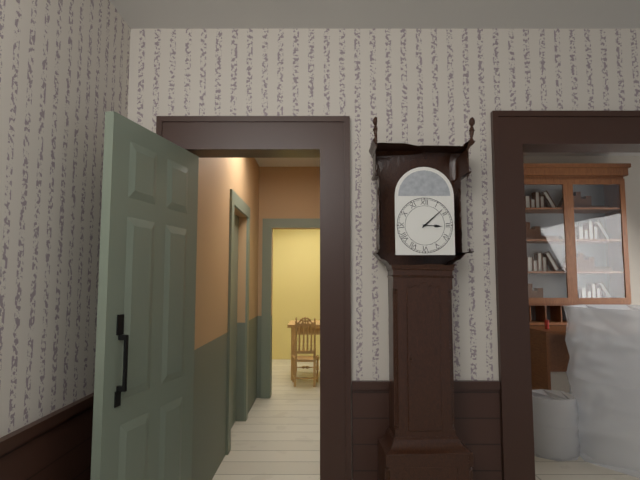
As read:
**3:08**
